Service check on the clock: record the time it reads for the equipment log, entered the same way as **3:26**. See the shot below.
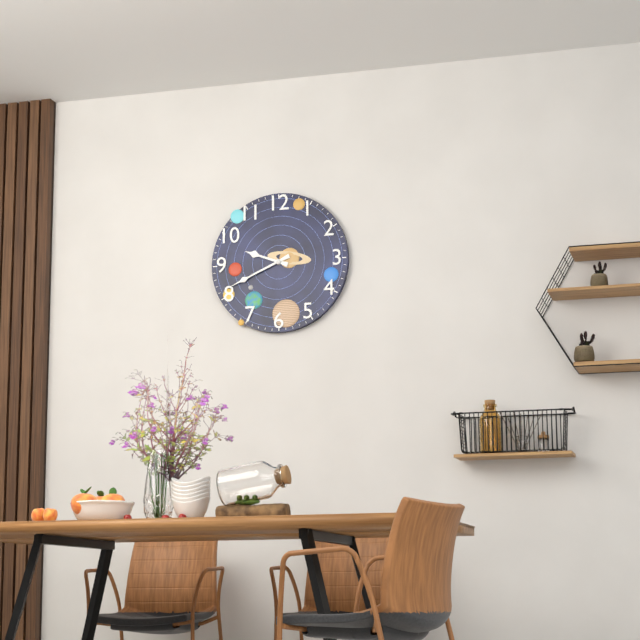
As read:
**9:41**
